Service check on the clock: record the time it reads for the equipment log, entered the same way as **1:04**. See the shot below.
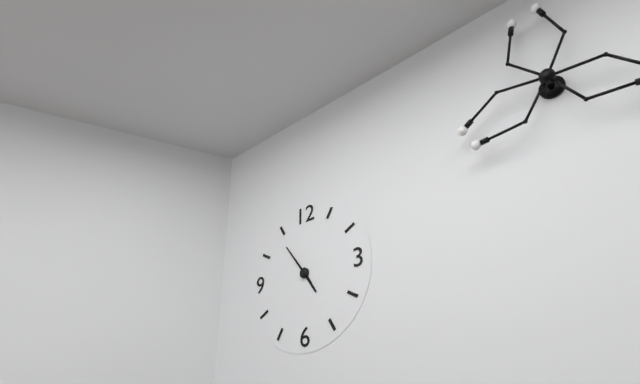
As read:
**4:54**
